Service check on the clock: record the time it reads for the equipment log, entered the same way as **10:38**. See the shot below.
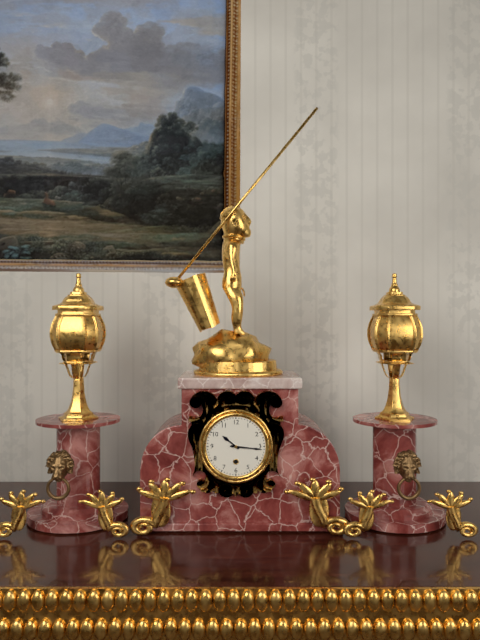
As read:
**10:16**
